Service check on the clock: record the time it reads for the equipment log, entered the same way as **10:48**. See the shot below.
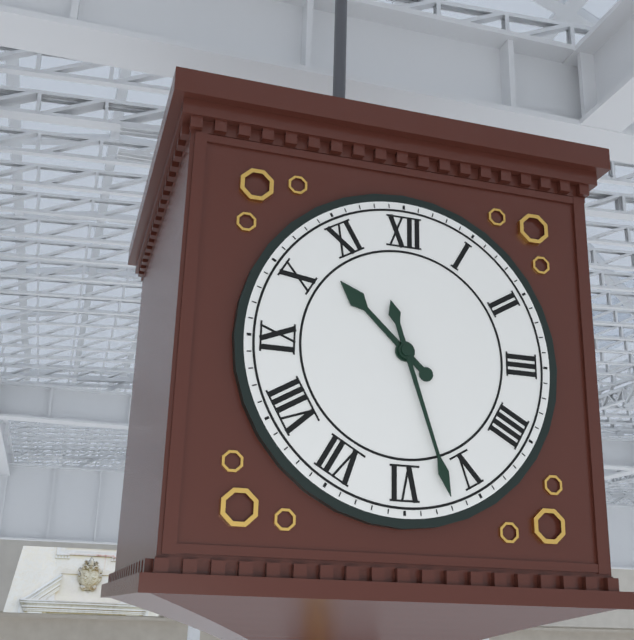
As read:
**10:27**
